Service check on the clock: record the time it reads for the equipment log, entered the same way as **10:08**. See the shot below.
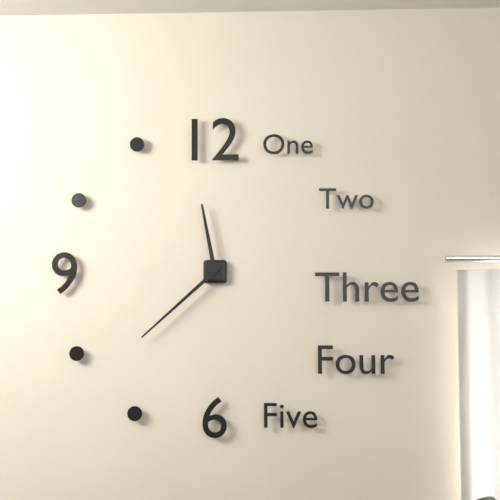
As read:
**11:38**
